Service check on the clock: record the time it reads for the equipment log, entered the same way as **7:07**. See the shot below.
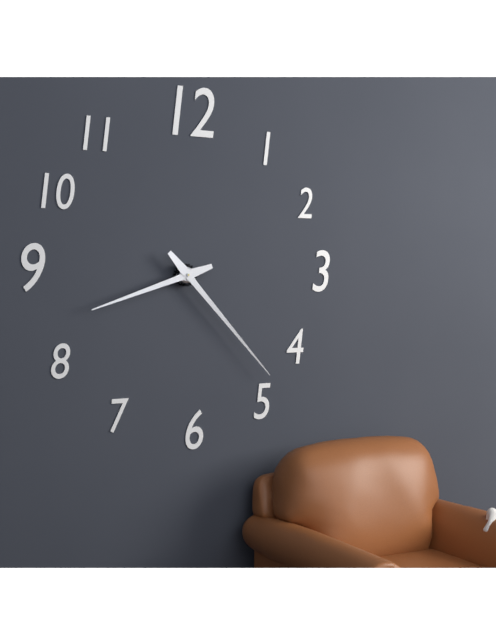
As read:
**8:23**
